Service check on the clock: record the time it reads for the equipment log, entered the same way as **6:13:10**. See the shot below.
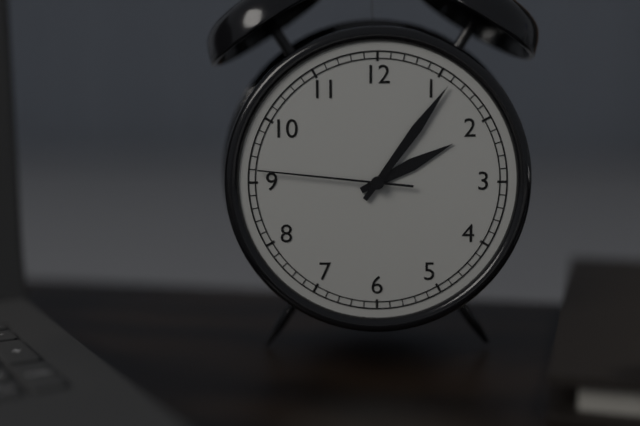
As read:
**2:06:46**
